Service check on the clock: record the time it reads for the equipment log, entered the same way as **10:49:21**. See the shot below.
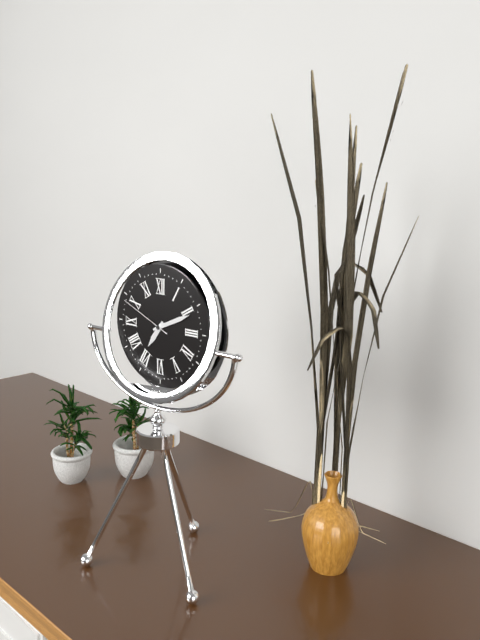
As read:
**7:11:49**
